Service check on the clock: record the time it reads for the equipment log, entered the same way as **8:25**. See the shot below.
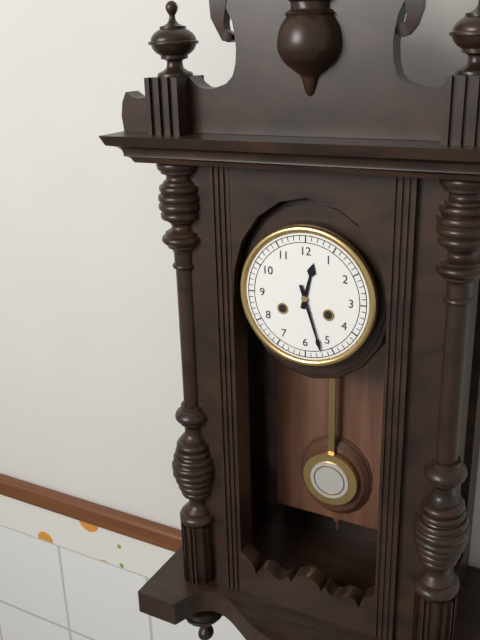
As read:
**12:27**
